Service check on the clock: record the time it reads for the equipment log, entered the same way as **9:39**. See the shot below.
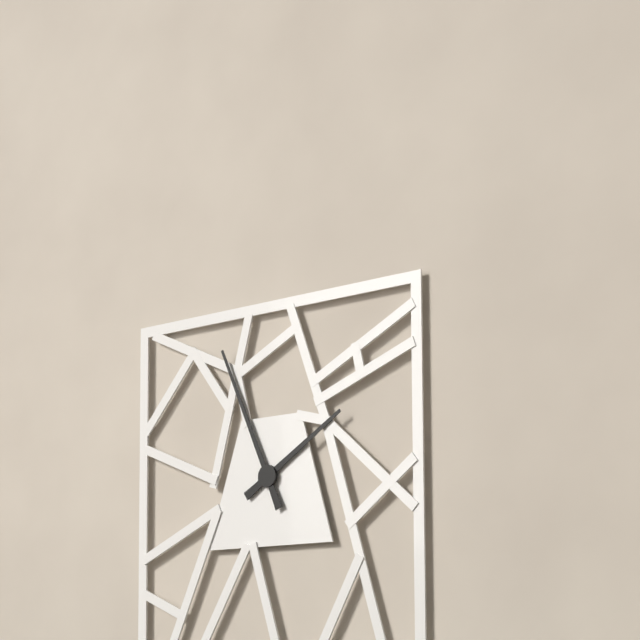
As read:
**1:56**
